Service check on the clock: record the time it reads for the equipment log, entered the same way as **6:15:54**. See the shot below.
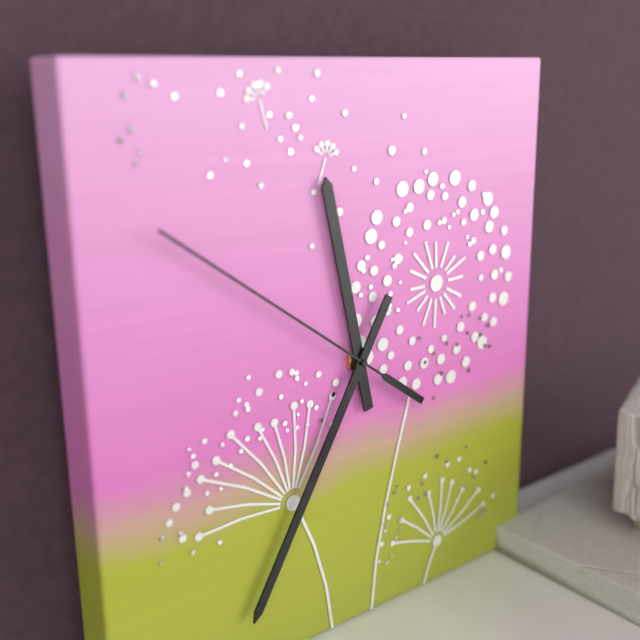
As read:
**11:35:51**
